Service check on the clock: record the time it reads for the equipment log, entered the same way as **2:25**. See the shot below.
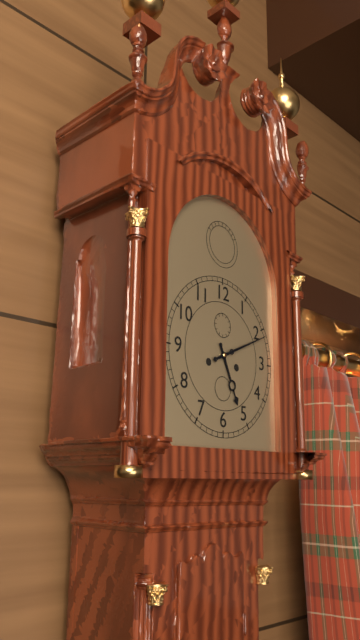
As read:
**5:11**
